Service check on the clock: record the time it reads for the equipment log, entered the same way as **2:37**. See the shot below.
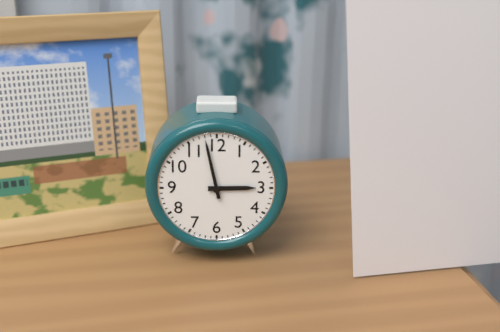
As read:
**2:58**
